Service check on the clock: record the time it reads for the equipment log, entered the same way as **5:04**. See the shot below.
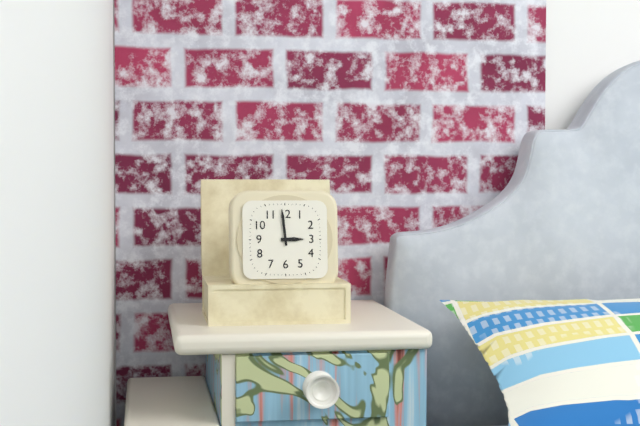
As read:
**2:59**
